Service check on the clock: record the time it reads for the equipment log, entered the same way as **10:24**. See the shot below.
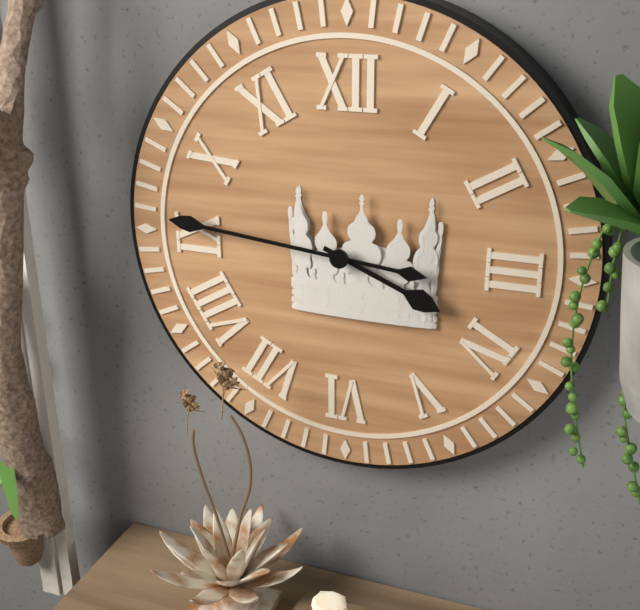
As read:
**3:46**
